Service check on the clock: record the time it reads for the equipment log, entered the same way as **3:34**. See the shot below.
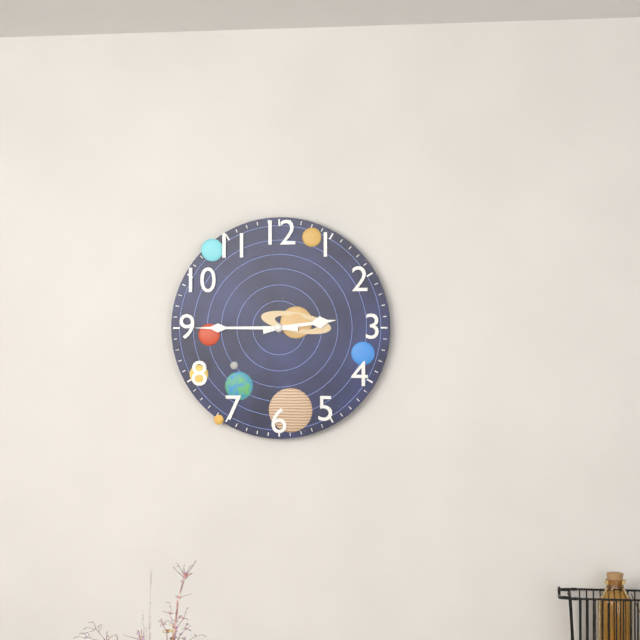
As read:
**2:45**
